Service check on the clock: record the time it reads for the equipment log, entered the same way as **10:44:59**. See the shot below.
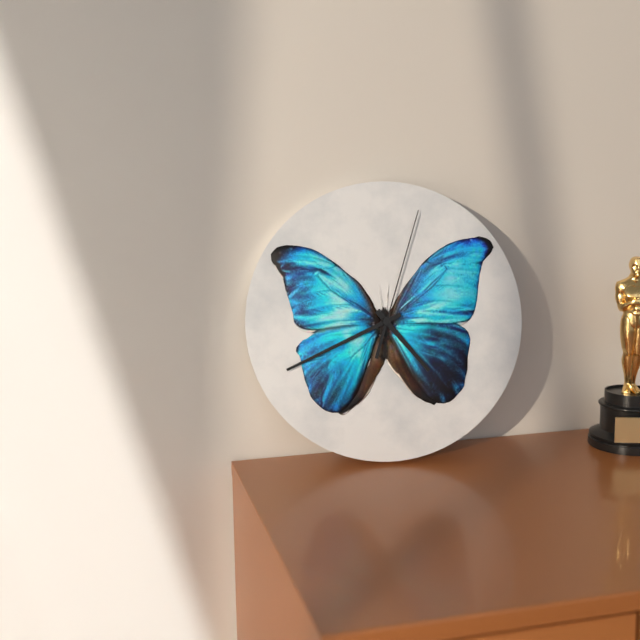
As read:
**4:41:03**
